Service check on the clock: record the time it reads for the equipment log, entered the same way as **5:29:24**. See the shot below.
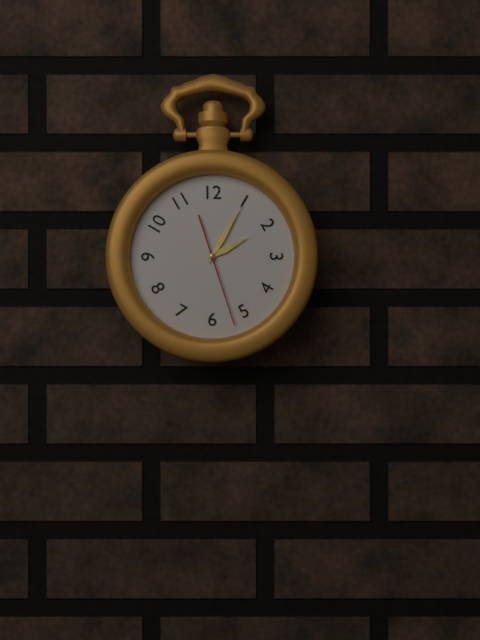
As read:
**2:05:27**
